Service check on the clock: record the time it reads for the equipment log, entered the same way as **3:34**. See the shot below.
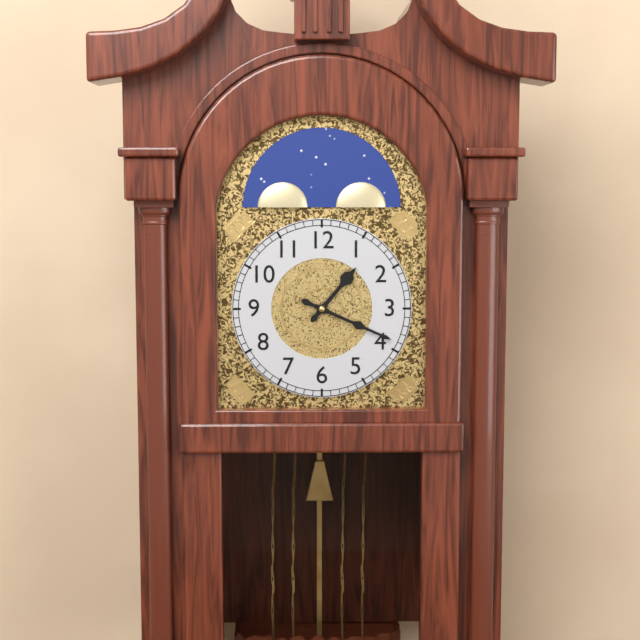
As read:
**1:19**
